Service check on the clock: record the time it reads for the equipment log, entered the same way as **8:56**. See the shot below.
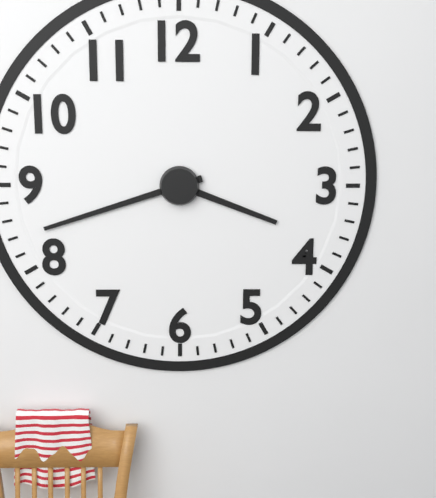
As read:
**3:42**
